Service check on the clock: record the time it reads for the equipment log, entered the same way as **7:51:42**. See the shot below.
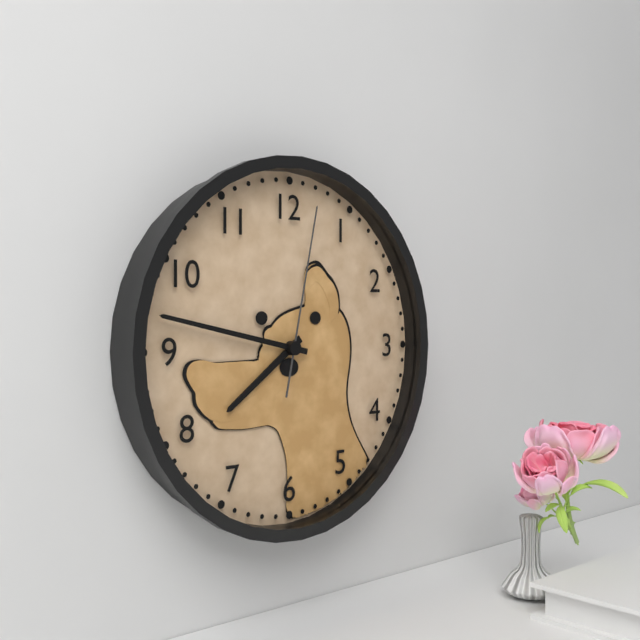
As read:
**7:47:02**
